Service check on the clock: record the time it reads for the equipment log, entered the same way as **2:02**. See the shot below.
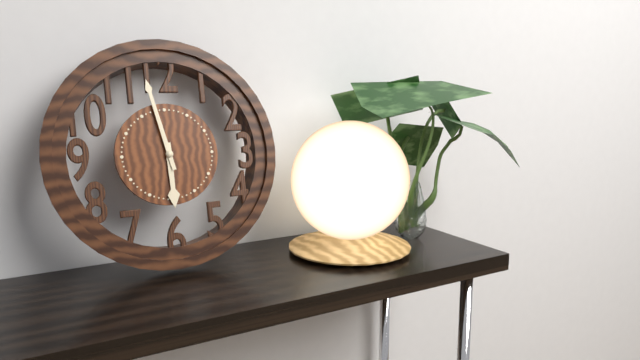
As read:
**5:58**
